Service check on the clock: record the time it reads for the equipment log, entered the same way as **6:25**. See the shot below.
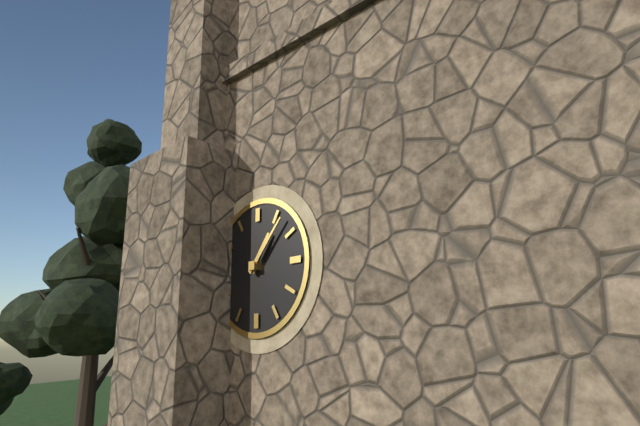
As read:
**1:07**
